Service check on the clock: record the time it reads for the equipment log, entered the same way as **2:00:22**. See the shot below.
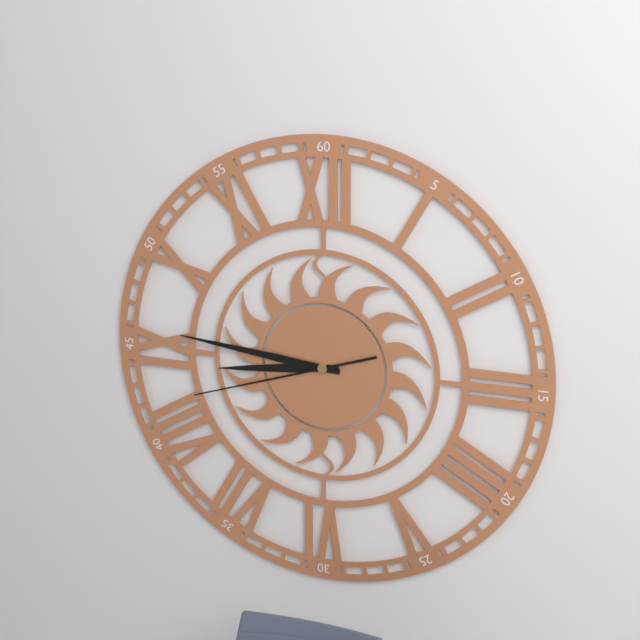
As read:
**8:46:42**
